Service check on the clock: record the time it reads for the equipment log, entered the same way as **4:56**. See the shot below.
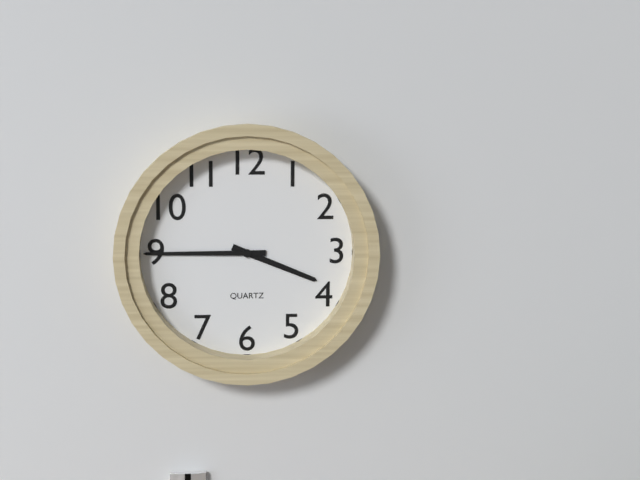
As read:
**3:45**
